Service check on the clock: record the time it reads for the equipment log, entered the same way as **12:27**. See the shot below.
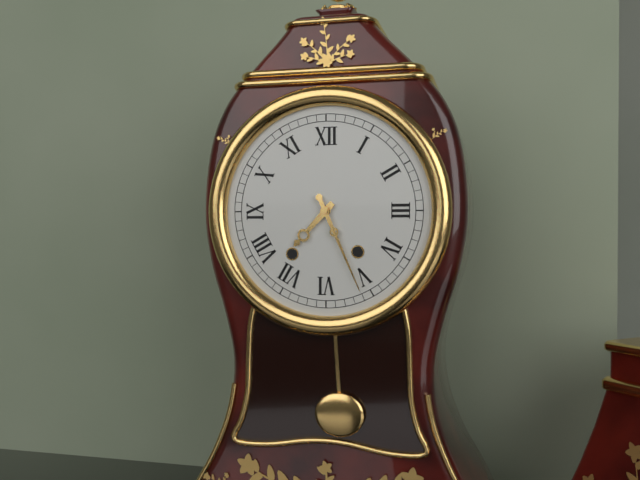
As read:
**7:26**
